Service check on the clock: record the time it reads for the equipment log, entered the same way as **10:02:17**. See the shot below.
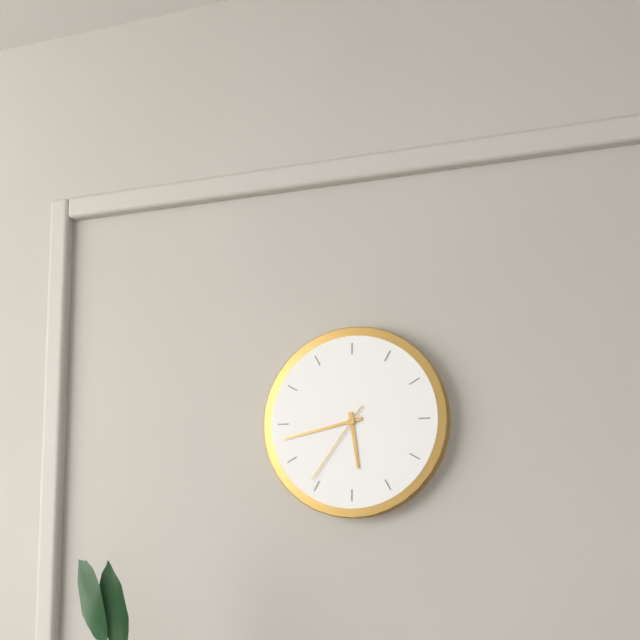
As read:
**5:43:36**
